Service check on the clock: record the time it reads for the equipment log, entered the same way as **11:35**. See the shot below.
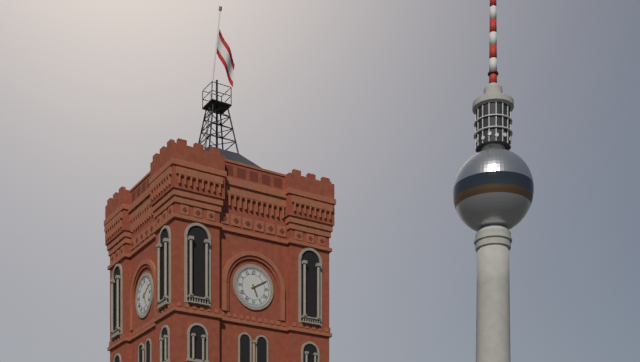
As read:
**5:10**
